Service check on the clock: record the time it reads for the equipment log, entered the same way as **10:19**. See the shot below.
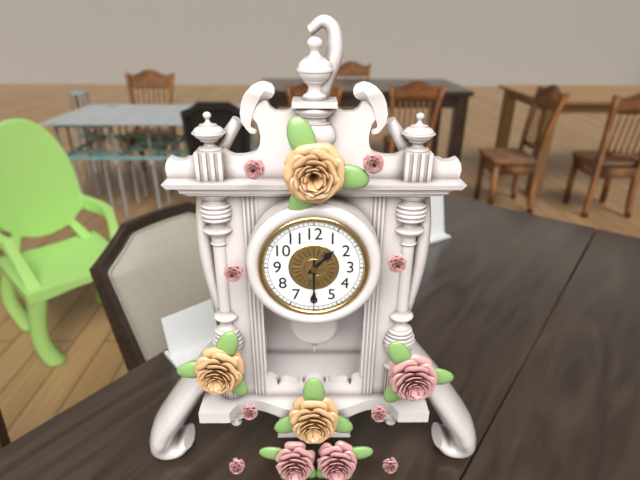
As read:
**1:30**
